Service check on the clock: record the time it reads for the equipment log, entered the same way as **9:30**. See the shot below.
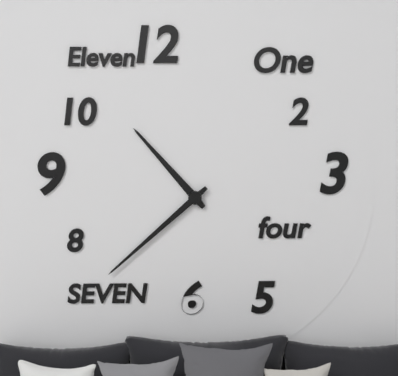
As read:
**10:38**
